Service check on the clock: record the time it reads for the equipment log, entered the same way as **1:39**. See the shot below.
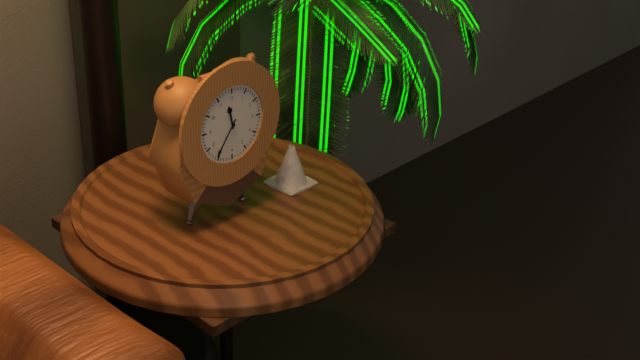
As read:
**11:36**
